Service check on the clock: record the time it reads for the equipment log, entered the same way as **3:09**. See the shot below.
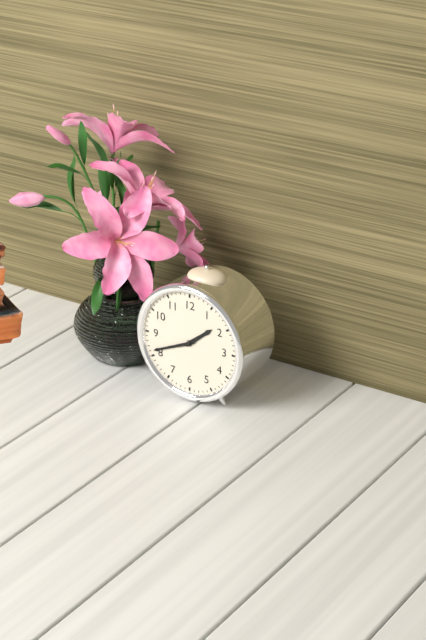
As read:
**1:41**
